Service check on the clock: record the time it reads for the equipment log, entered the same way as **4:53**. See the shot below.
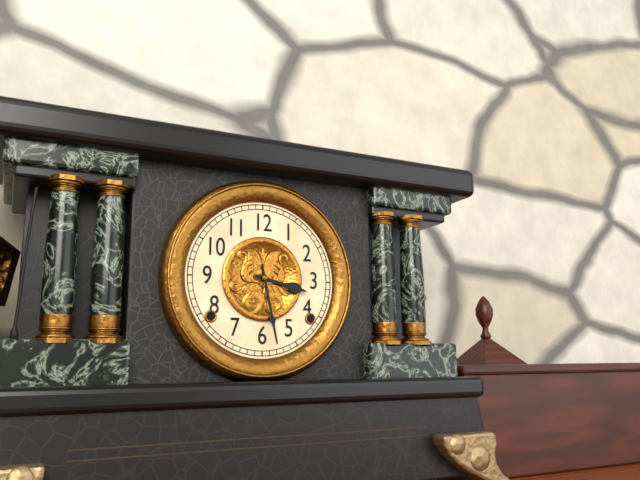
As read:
**3:28**
